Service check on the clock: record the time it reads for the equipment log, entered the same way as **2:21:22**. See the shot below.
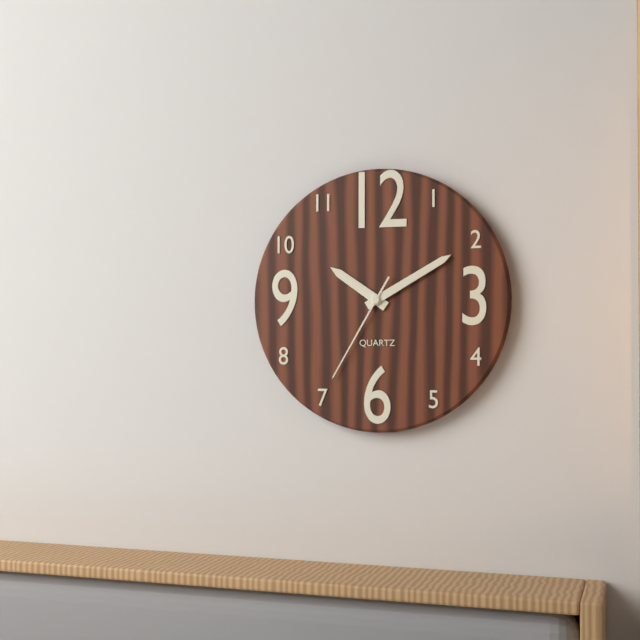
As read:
**10:10:35**
